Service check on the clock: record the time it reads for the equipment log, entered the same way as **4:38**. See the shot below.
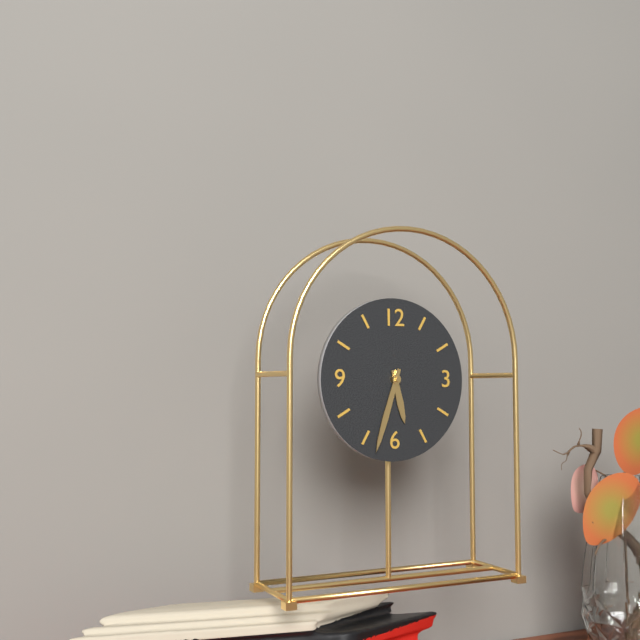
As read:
**5:33**
